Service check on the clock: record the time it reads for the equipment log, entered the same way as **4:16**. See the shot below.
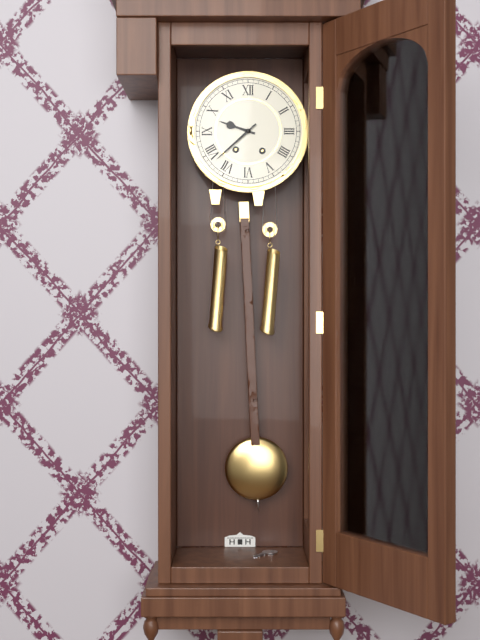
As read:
**9:38**
